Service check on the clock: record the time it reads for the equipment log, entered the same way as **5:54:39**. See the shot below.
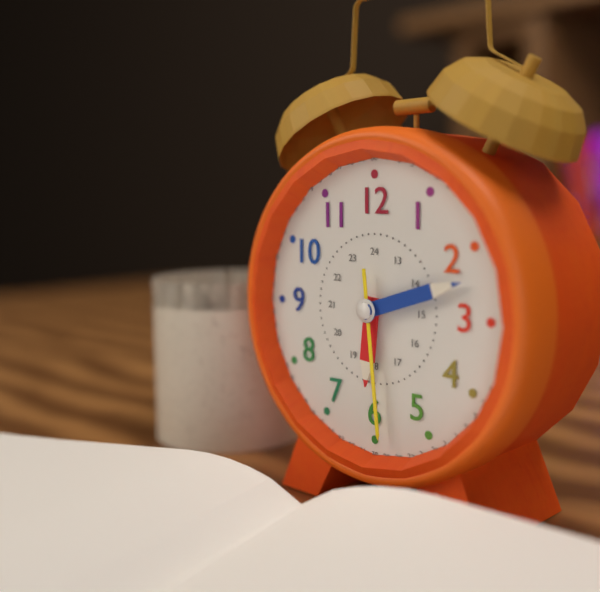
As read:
**6:12:29**
